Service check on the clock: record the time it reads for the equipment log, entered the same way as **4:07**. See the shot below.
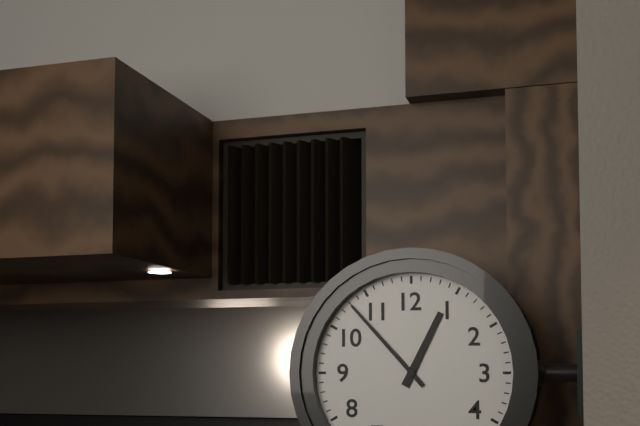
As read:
**12:53**
